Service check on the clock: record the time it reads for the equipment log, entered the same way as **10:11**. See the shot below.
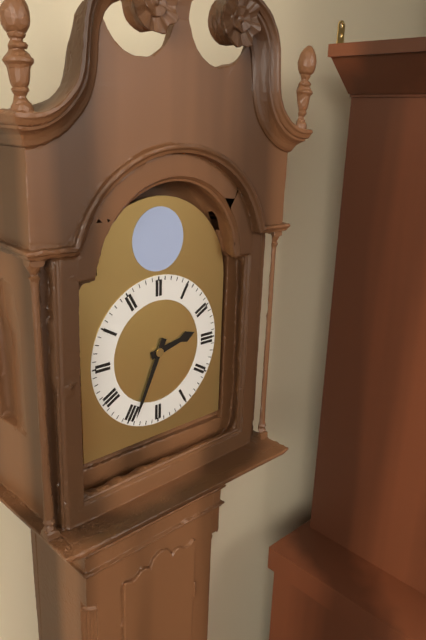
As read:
**2:34**
